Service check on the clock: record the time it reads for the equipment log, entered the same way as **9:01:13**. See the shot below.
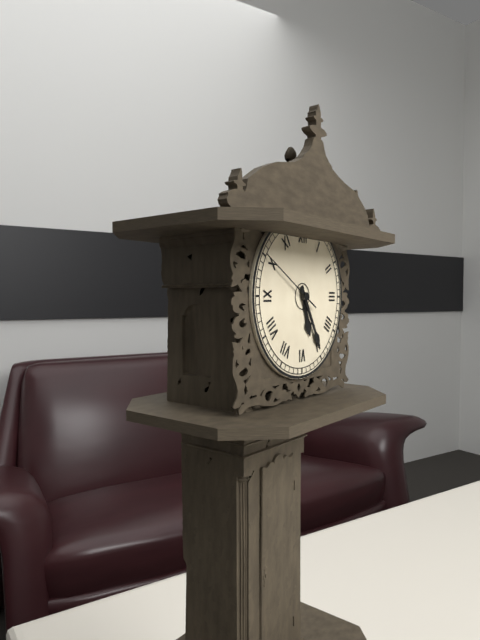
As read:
**5:25:50**
